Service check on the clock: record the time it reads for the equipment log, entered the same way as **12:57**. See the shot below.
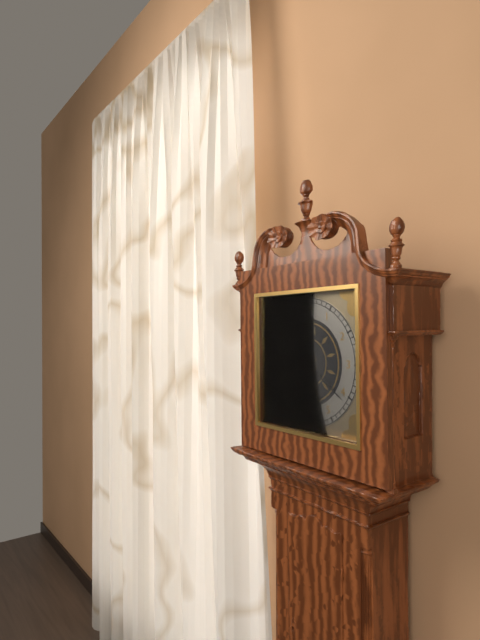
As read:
**12:21**
